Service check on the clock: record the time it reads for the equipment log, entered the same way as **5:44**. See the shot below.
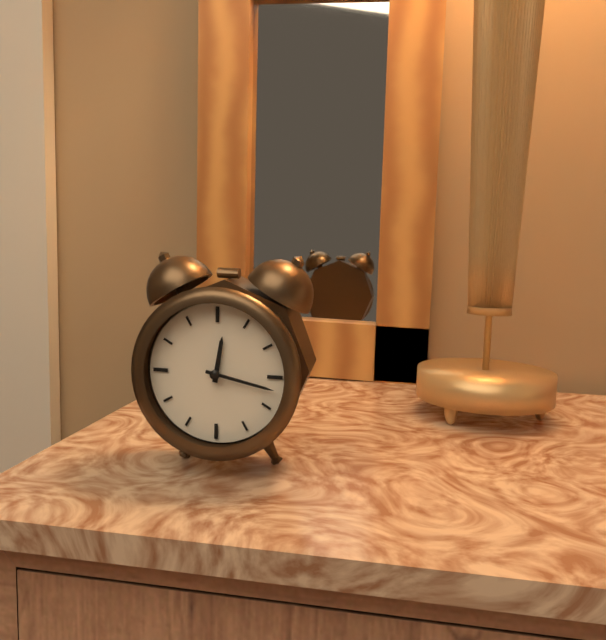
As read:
**12:17**
